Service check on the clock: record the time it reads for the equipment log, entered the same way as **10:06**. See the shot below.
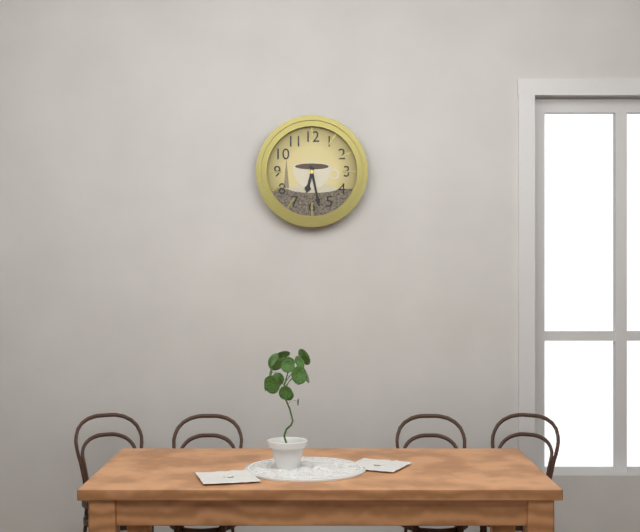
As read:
**6:28**
